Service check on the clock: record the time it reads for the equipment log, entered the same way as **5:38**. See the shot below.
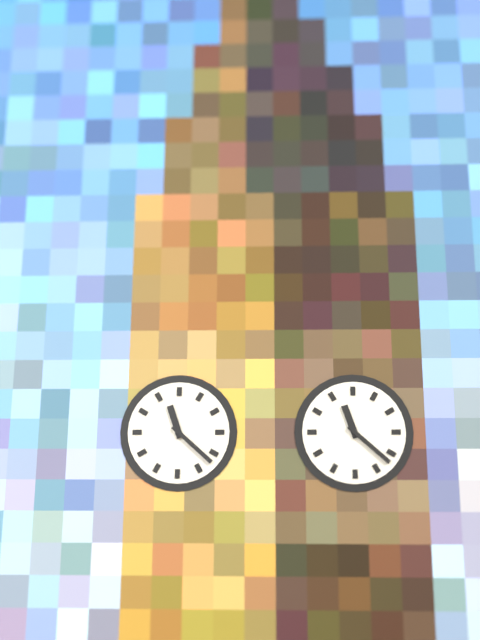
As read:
**11:22**
